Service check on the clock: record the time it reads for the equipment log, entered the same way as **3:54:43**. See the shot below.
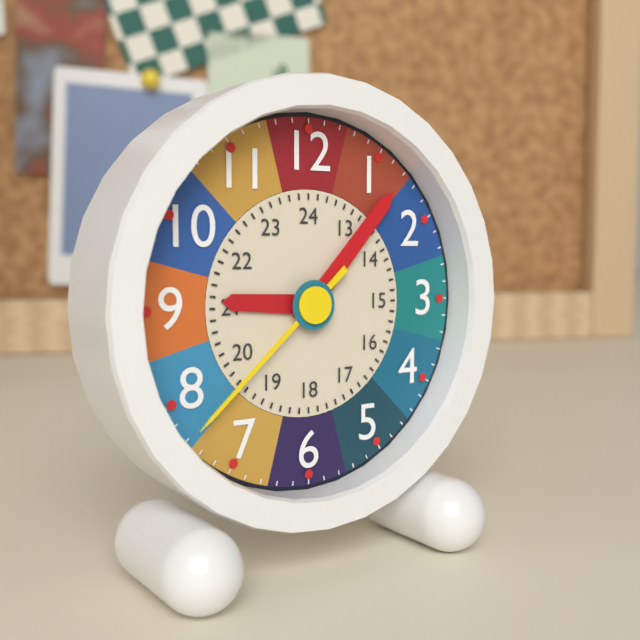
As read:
**9:07:38**
